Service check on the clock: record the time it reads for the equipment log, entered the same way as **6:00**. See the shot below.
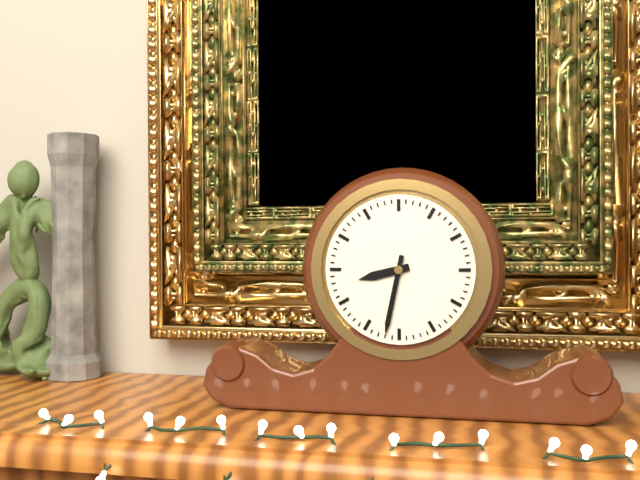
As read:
**8:32**
